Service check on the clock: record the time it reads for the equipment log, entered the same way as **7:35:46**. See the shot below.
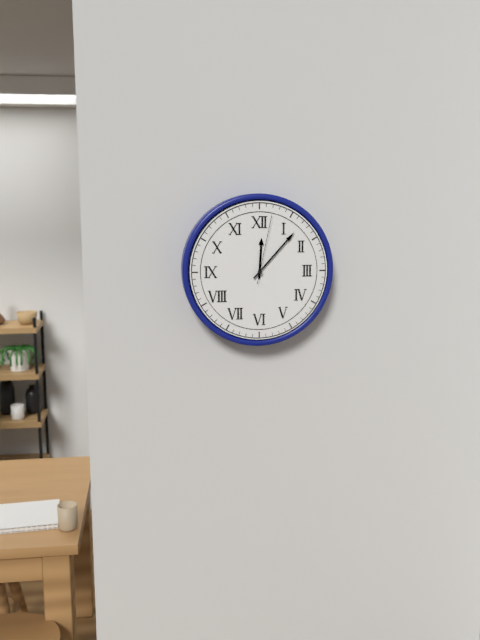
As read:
**12:07:02**
